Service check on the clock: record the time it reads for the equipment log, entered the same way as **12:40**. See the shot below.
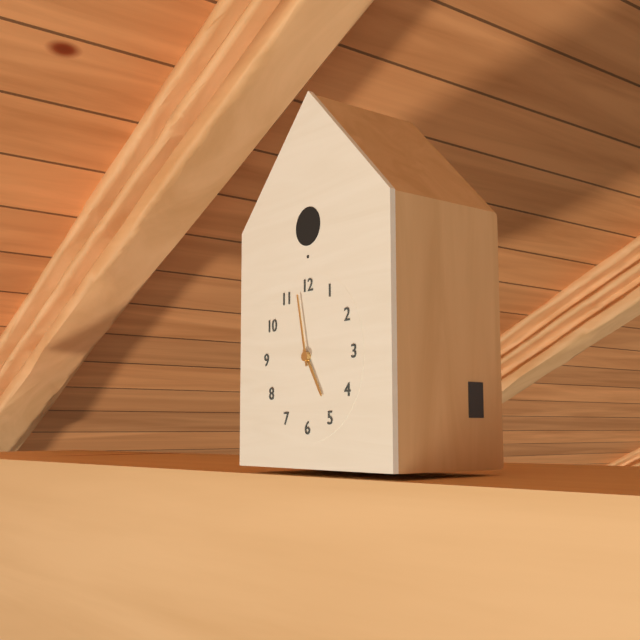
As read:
**4:58**
